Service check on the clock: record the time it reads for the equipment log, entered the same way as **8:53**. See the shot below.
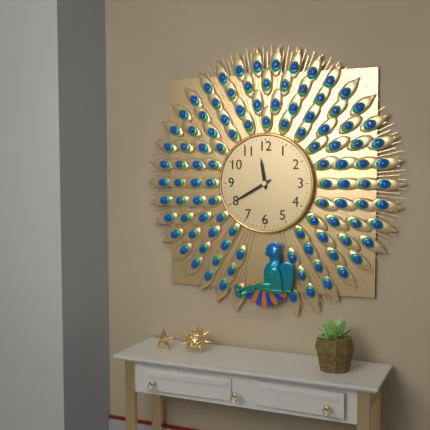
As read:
**11:40**
